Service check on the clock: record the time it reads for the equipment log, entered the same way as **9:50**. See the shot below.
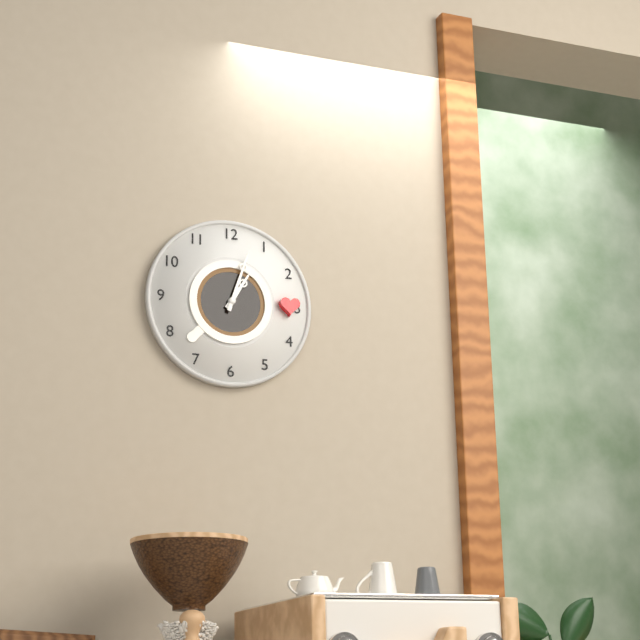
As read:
**1:03**
